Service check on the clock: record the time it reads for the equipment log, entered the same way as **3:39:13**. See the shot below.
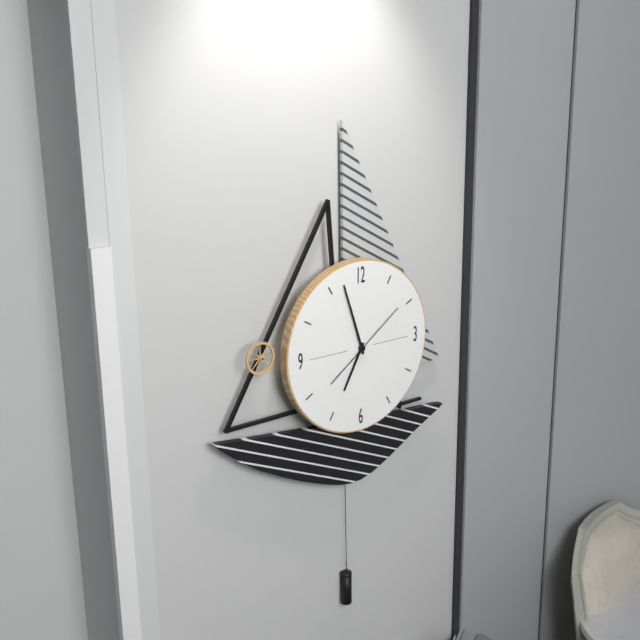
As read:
**6:57:09**
